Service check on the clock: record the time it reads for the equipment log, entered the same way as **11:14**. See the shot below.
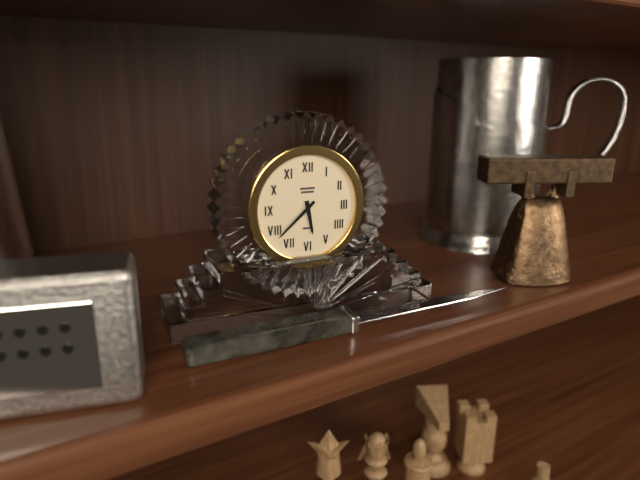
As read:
**5:38**
